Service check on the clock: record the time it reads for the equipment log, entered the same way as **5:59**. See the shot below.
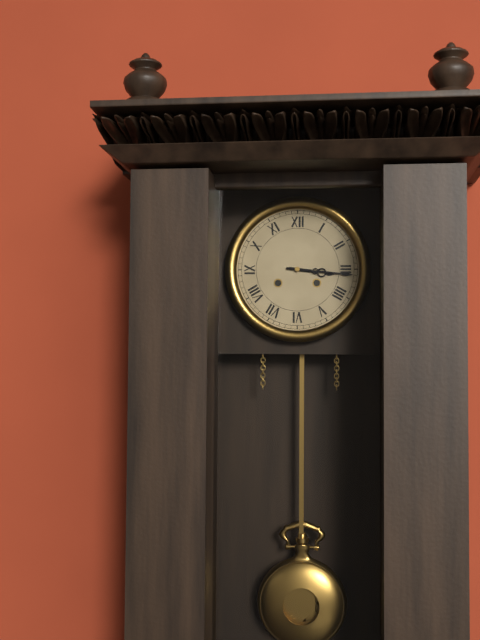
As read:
**3:16**
